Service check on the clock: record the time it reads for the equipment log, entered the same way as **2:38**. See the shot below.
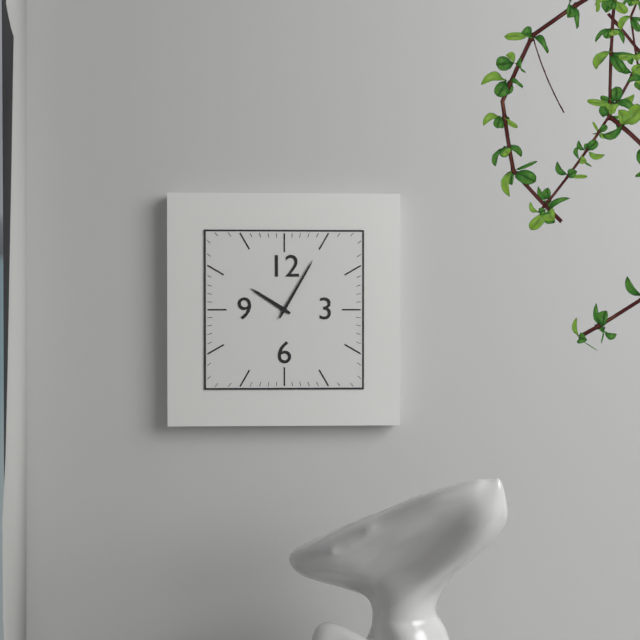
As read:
**10:05**
